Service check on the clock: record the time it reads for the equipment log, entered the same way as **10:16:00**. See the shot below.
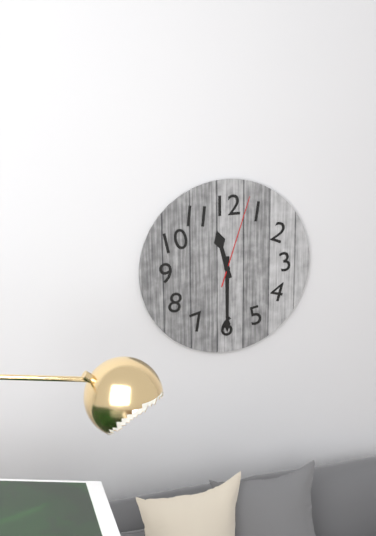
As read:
**11:30:03**
